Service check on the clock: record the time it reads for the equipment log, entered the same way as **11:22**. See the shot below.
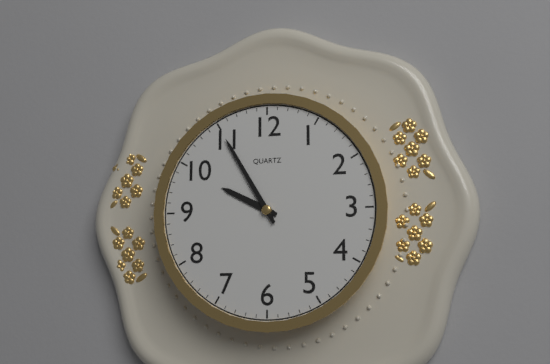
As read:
**9:55**
